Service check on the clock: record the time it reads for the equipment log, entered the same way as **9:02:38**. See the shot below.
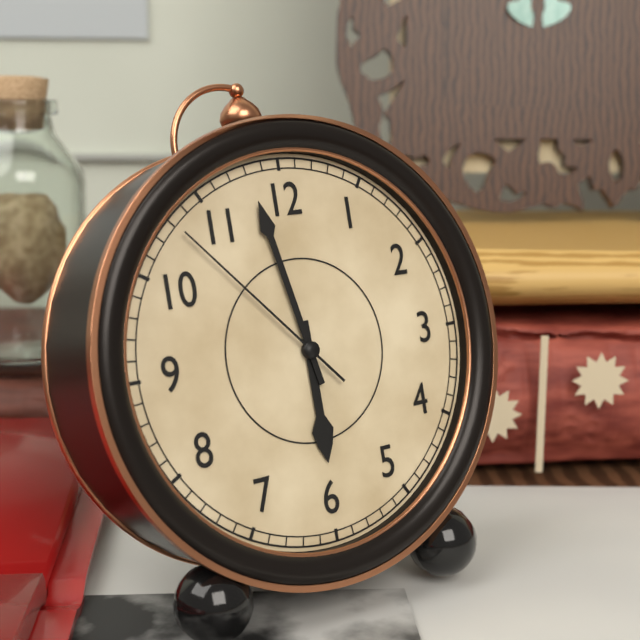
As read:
**5:58:53**
